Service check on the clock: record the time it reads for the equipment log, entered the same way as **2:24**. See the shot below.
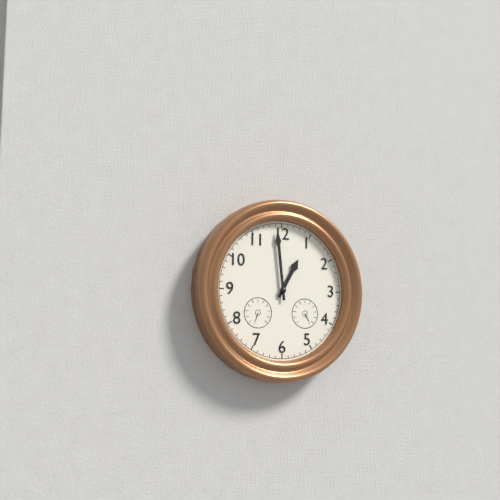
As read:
**12:59**
